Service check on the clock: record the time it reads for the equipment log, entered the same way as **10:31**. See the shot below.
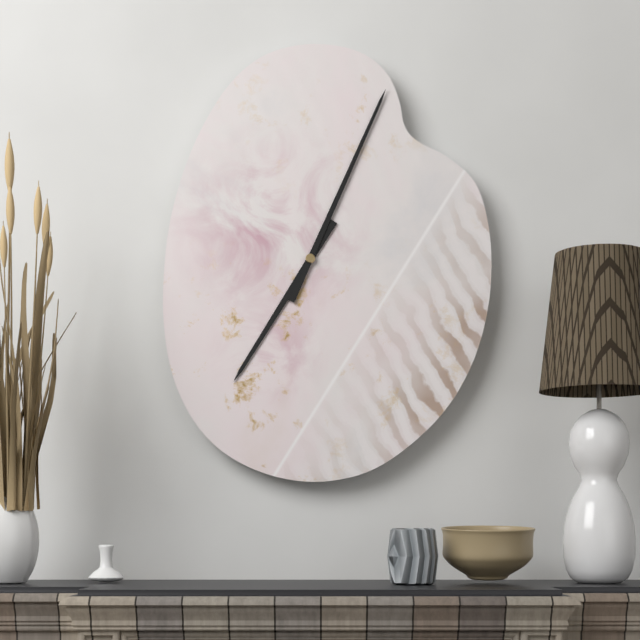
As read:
**7:04**
